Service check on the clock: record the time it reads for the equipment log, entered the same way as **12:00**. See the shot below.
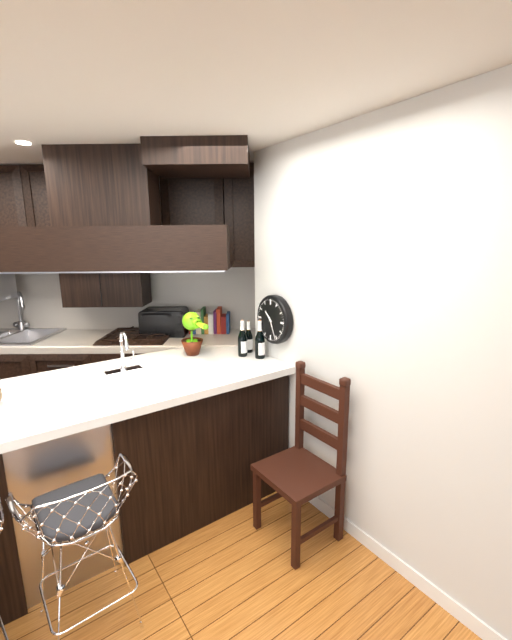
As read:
**10:26**
